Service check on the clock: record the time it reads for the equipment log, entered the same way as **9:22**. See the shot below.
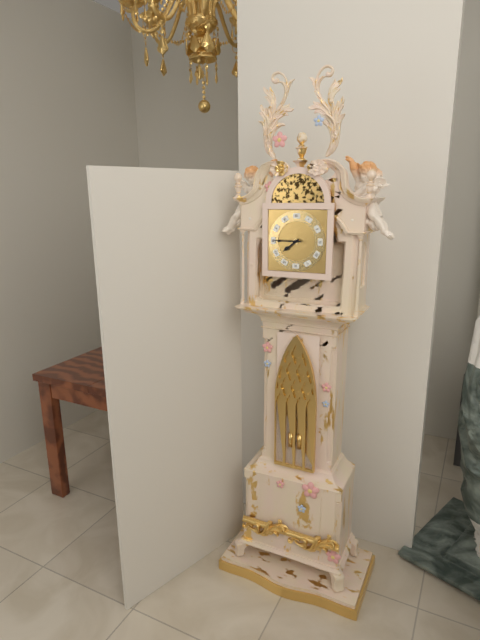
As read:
**7:45**
